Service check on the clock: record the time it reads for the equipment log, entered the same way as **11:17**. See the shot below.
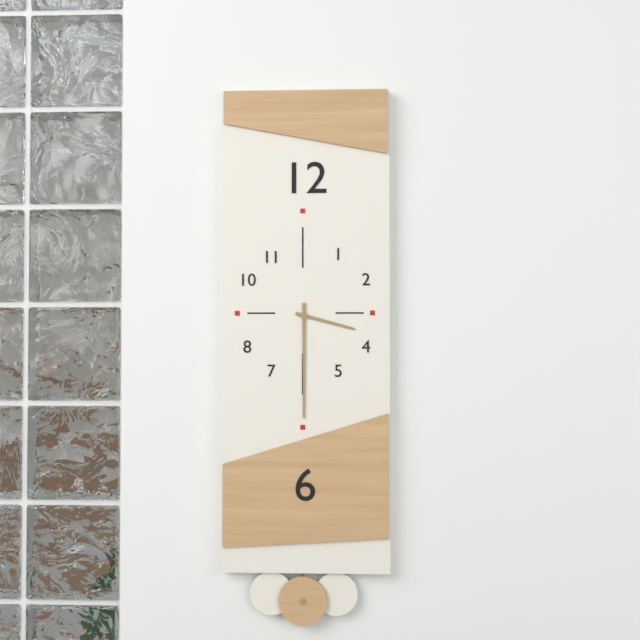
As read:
**3:30**
